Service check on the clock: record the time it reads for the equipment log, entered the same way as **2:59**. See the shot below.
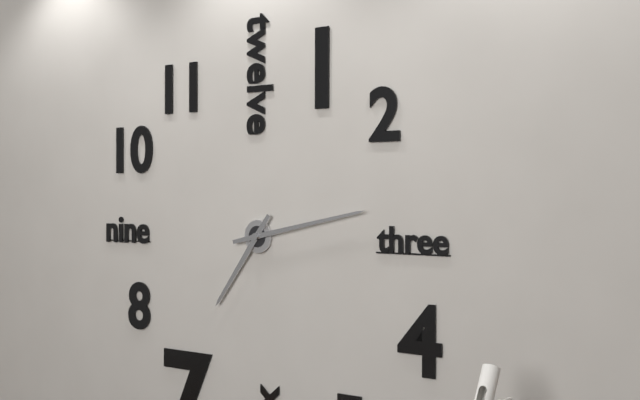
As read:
**7:13**
